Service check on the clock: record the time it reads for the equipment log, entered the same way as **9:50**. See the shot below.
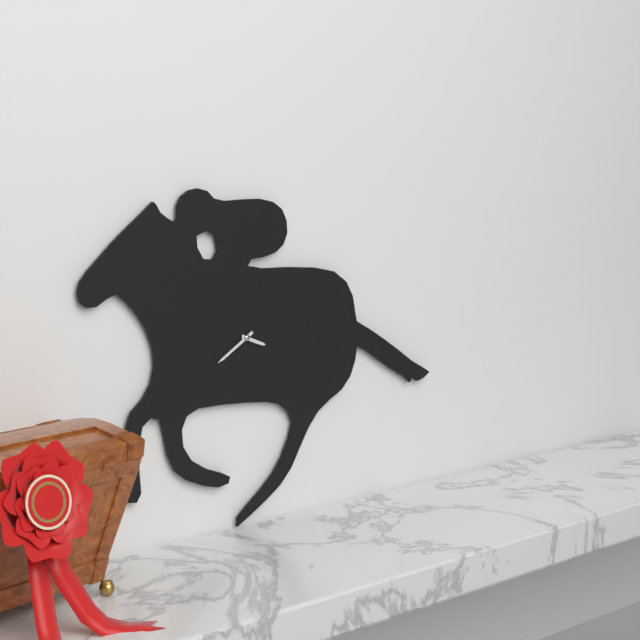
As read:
**3:40**
